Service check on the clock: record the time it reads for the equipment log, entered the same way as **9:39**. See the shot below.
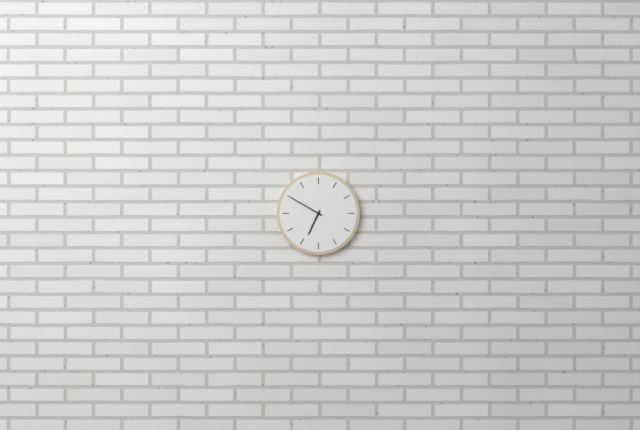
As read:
**6:50**
